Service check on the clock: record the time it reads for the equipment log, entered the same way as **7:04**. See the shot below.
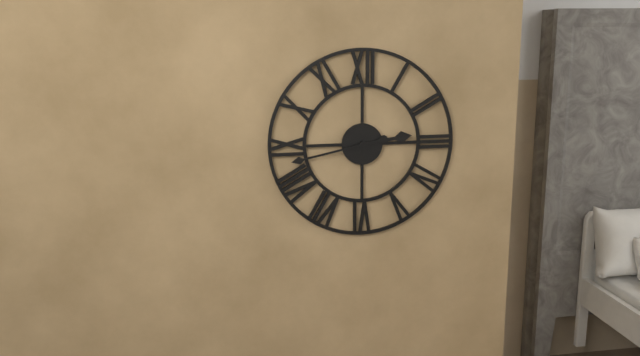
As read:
**2:43**
